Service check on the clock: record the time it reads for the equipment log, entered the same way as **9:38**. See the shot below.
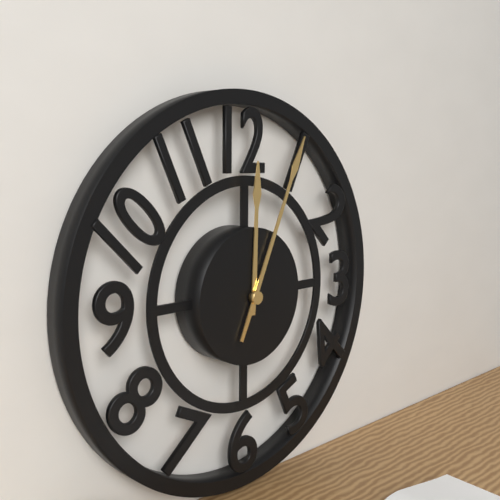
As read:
**12:04**
